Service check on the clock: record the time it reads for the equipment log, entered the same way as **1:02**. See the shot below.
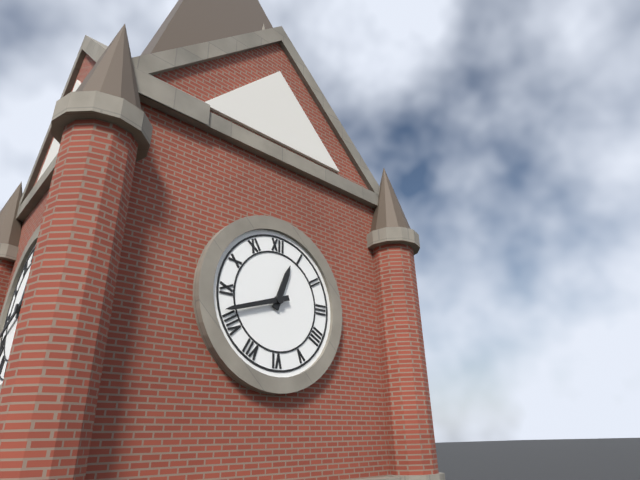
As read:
**12:42**
